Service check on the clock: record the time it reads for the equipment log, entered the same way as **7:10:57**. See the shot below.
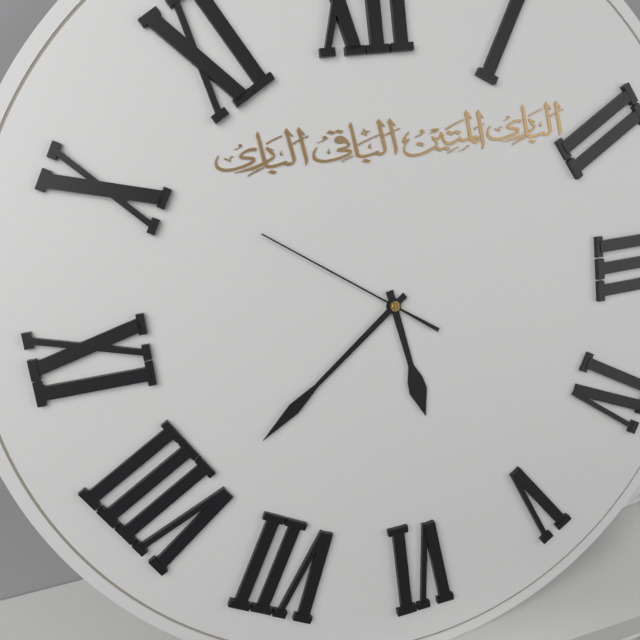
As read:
**5:39:51**
